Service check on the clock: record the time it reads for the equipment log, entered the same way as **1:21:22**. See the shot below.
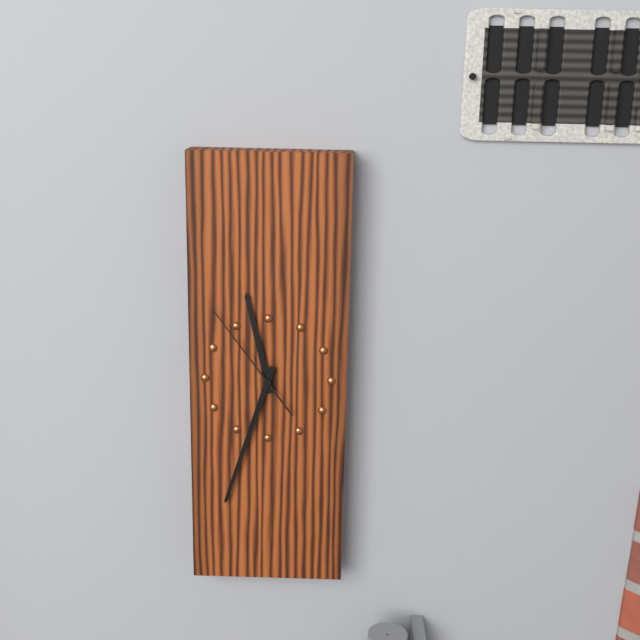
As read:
**11:33:54**
